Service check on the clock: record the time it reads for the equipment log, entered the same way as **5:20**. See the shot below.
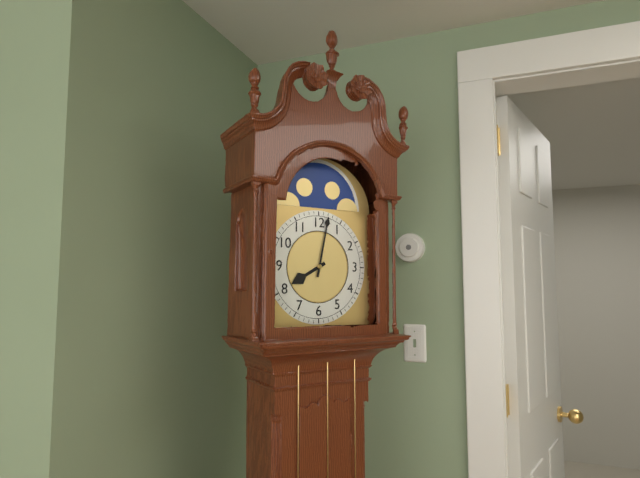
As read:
**8:02**
